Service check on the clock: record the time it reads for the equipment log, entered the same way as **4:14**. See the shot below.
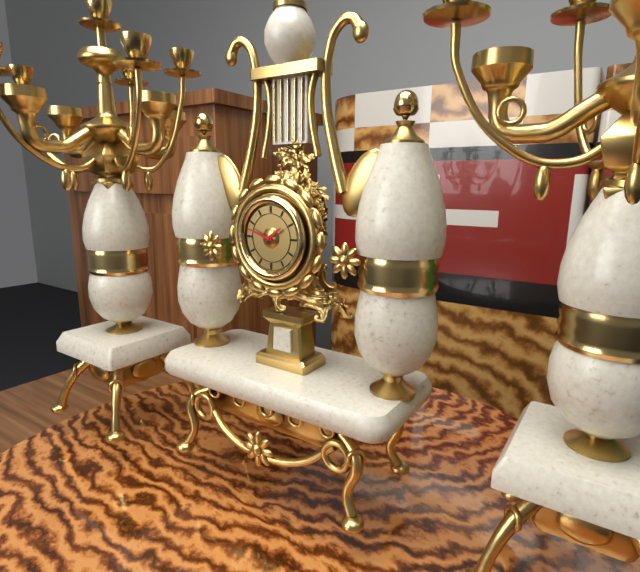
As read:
**1:48**
